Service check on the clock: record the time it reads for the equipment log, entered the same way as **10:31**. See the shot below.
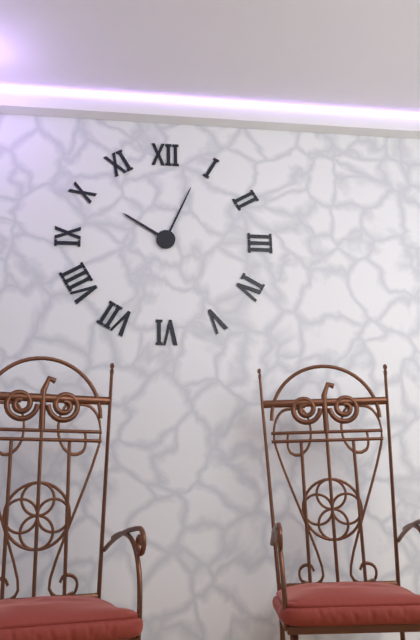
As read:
**10:04**
